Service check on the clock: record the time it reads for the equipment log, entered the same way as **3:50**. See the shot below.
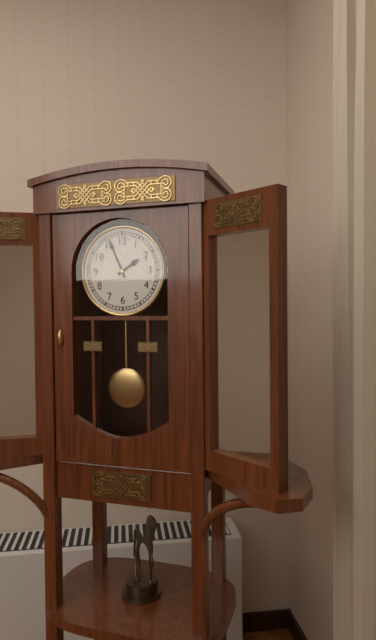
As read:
**1:56**
